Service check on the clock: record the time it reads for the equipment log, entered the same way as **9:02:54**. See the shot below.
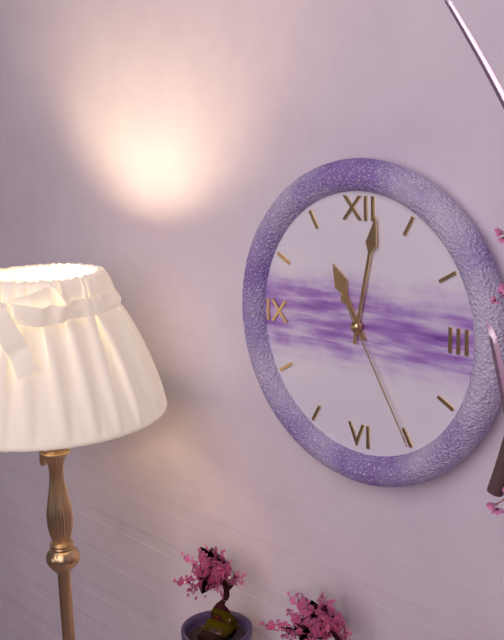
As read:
**11:02:25**
